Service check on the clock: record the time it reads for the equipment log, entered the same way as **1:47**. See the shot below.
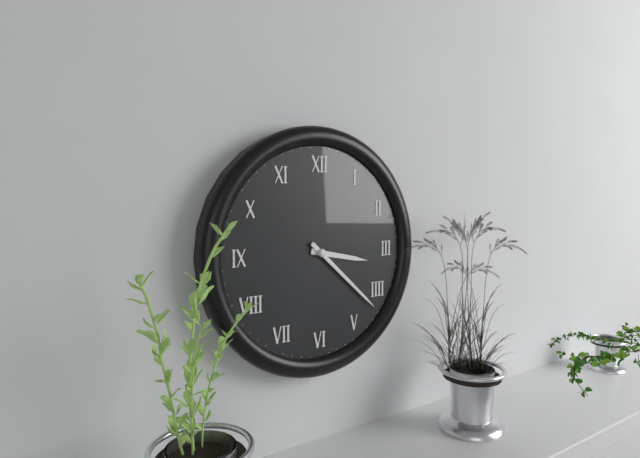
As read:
**3:22**
